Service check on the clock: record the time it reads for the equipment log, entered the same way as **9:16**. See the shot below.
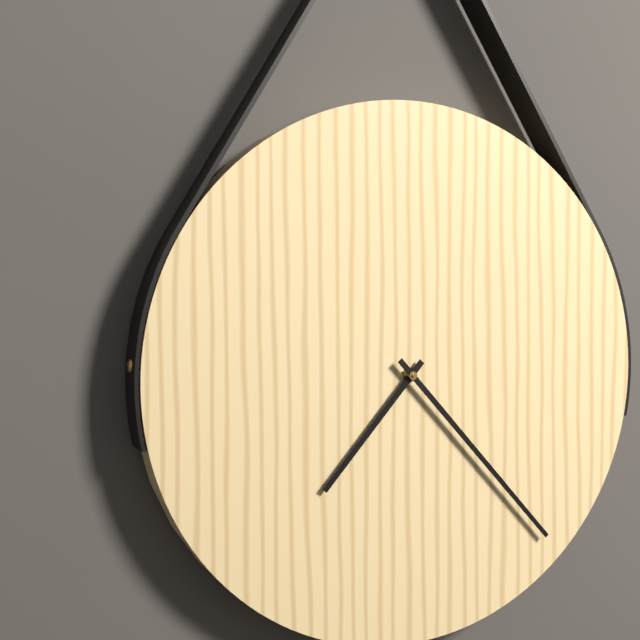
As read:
**7:23**
